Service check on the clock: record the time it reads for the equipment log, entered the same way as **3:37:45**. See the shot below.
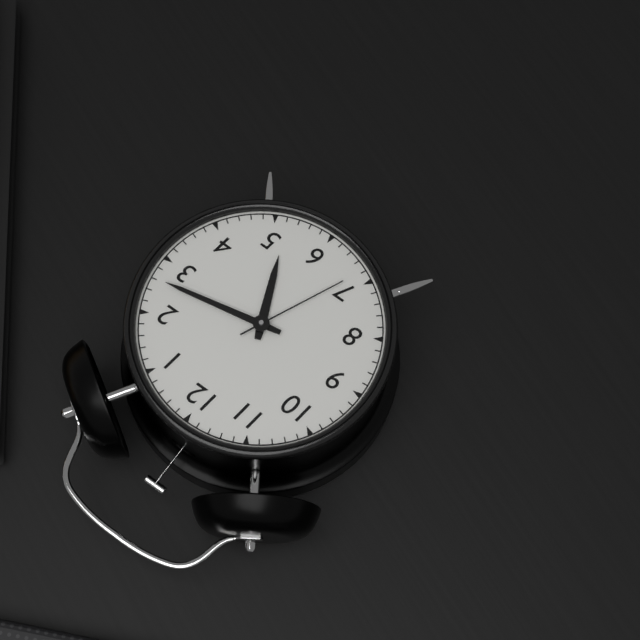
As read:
**5:13:34**
